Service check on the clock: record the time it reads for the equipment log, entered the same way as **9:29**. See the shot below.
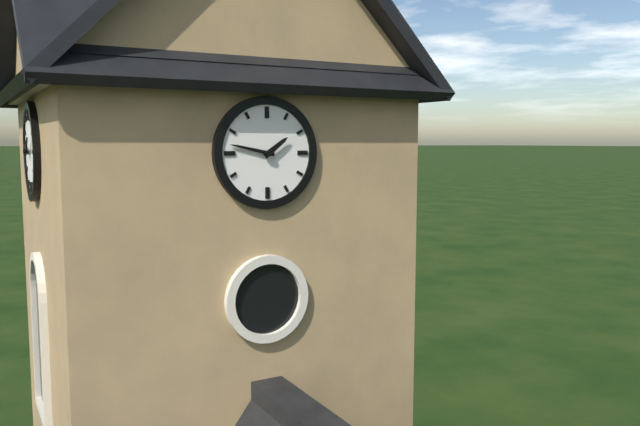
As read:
**1:47**
